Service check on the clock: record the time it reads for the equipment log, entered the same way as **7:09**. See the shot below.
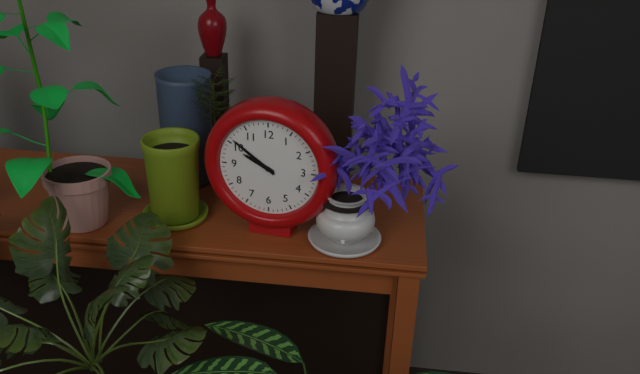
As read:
**9:51**
